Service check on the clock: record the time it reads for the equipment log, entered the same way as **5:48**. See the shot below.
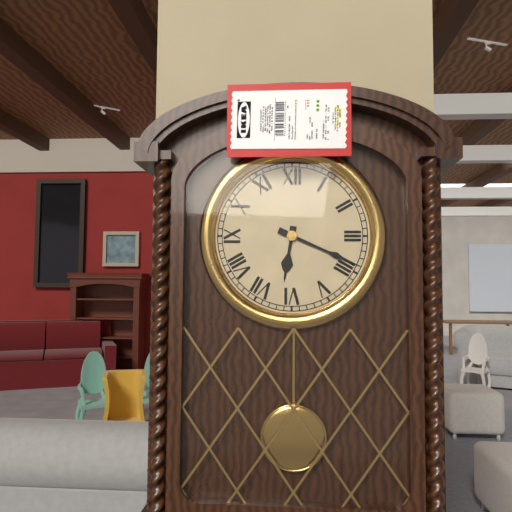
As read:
**6:19**
